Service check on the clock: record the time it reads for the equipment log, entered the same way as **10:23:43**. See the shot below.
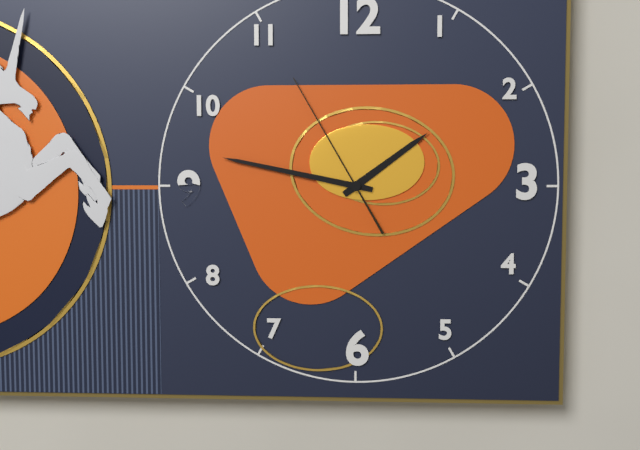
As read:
**1:47:55**
